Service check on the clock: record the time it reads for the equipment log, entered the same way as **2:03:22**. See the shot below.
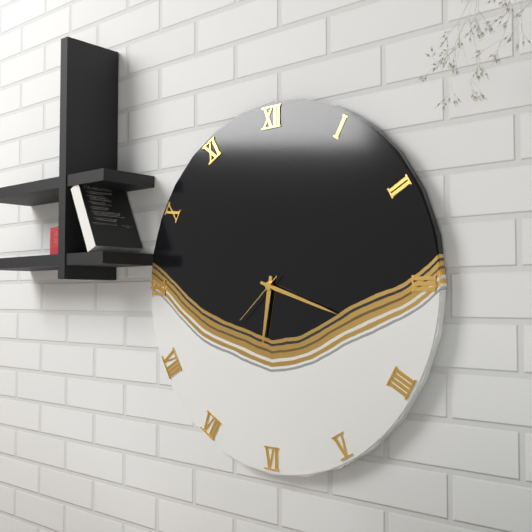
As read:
**6:18:38**
